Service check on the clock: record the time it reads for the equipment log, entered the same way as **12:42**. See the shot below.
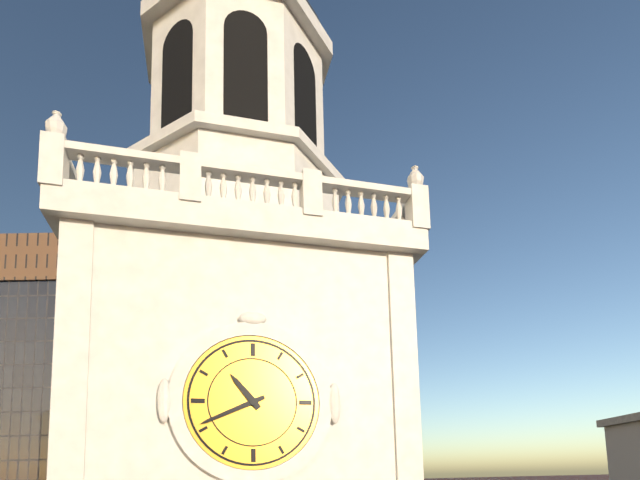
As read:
**10:41**
